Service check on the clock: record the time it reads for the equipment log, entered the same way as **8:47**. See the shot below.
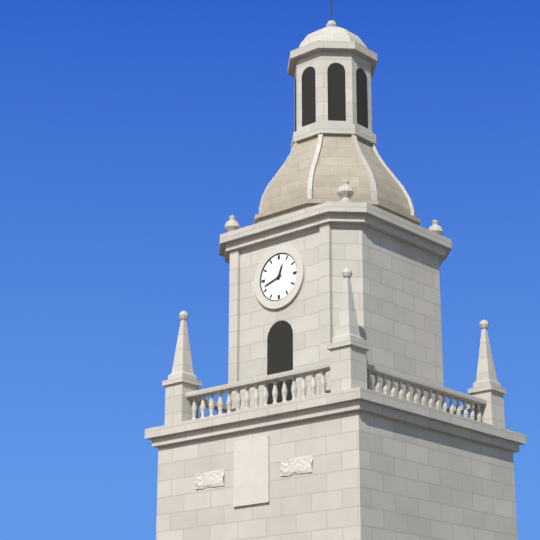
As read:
**12:42**
